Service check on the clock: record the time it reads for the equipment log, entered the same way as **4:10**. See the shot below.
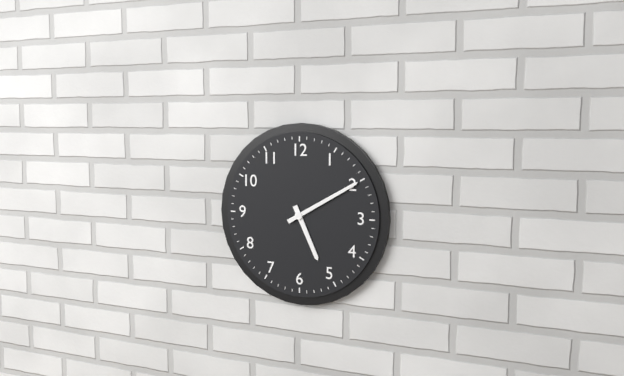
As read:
**5:10**
